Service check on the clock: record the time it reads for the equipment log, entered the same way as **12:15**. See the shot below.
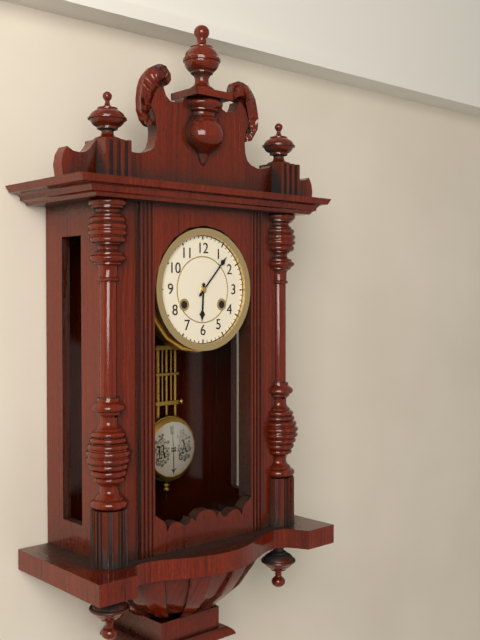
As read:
**6:07**
